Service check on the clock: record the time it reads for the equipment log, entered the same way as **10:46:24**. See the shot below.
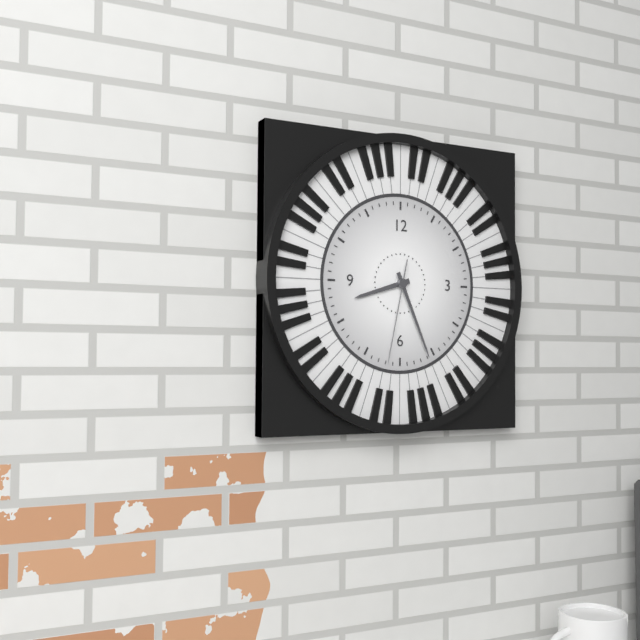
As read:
**8:26:32**
